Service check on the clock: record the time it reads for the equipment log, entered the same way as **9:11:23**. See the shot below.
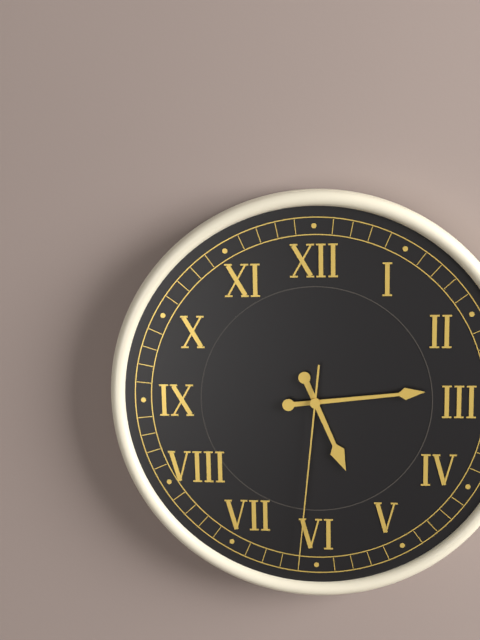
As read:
**5:14:31**
